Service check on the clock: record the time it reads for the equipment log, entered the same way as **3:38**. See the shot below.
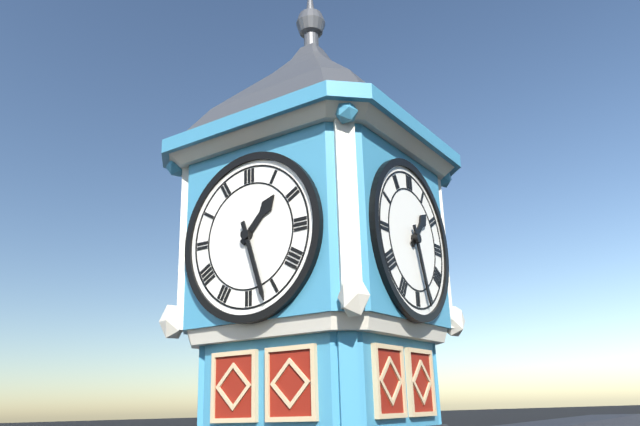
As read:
**1:27**
